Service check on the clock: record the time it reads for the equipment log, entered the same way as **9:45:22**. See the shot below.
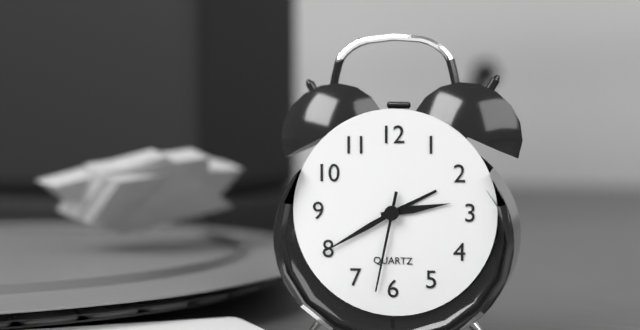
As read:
**2:40:32**
